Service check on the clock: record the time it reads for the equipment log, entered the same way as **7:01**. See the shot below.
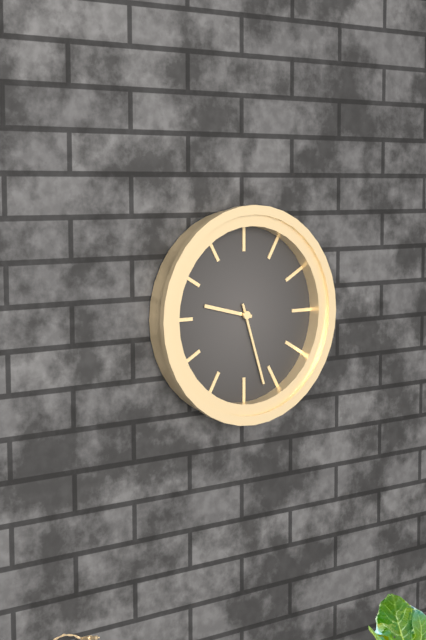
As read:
**9:27**
